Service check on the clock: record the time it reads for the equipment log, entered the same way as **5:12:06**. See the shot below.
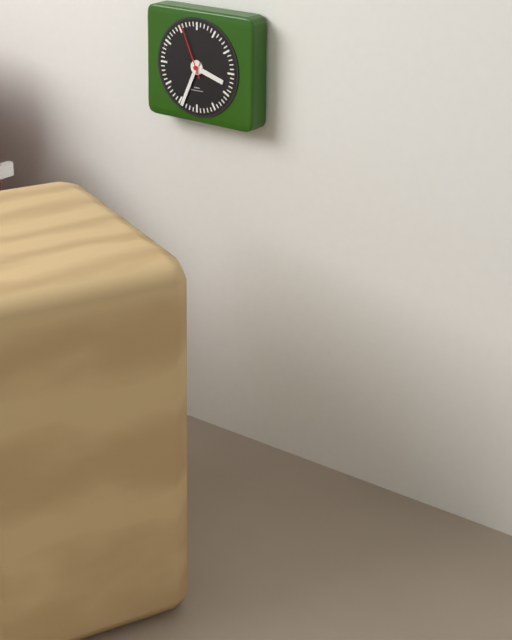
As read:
**3:34:56**
